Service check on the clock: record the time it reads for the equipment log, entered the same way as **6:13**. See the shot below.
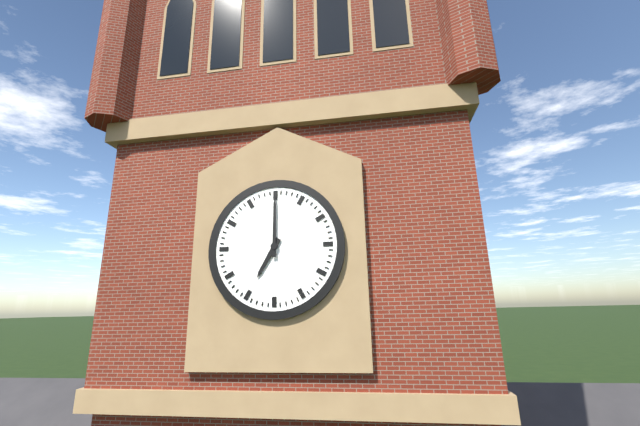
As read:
**7:00**
